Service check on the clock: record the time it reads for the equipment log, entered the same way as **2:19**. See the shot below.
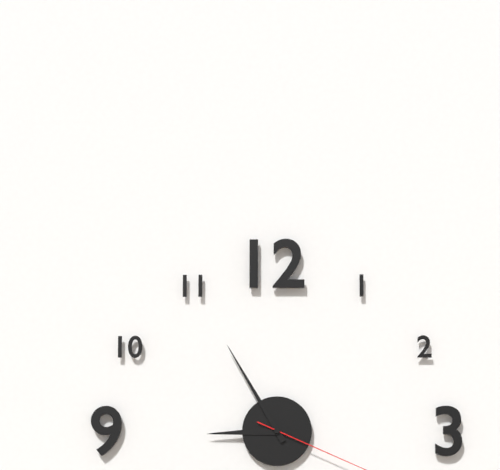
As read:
**8:55**
